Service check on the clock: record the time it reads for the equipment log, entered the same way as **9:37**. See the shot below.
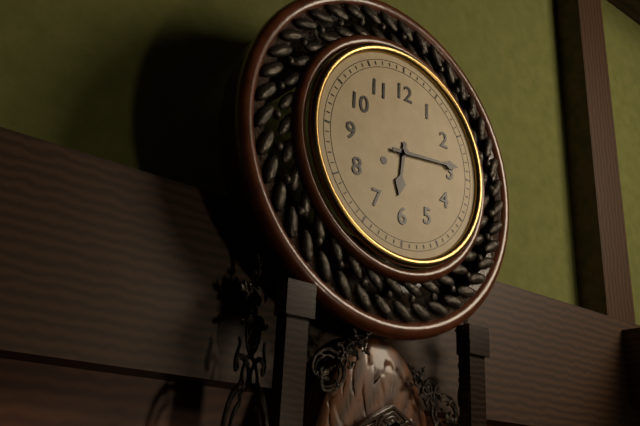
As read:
**6:14**
